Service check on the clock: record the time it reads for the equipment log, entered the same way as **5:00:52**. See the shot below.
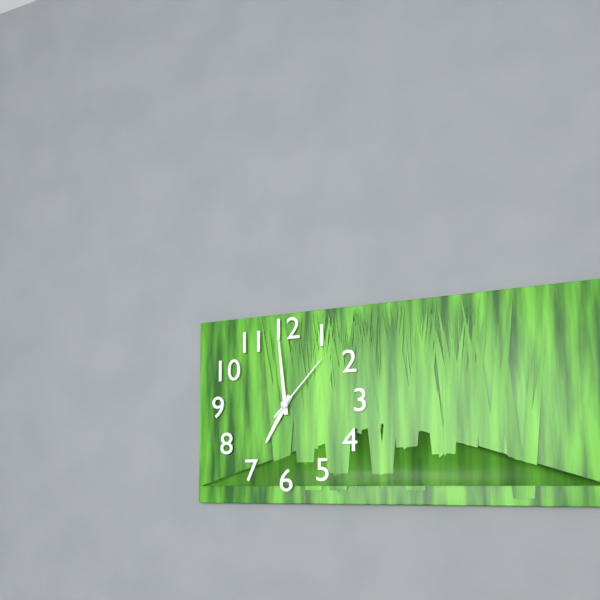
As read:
**6:59:07**
